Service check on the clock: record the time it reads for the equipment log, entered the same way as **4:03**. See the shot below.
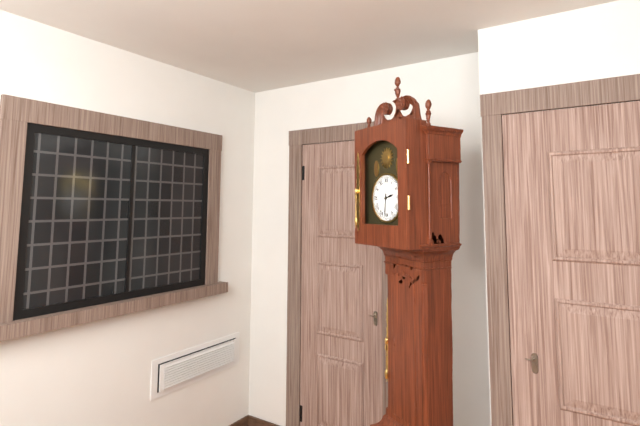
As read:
**2:31**
